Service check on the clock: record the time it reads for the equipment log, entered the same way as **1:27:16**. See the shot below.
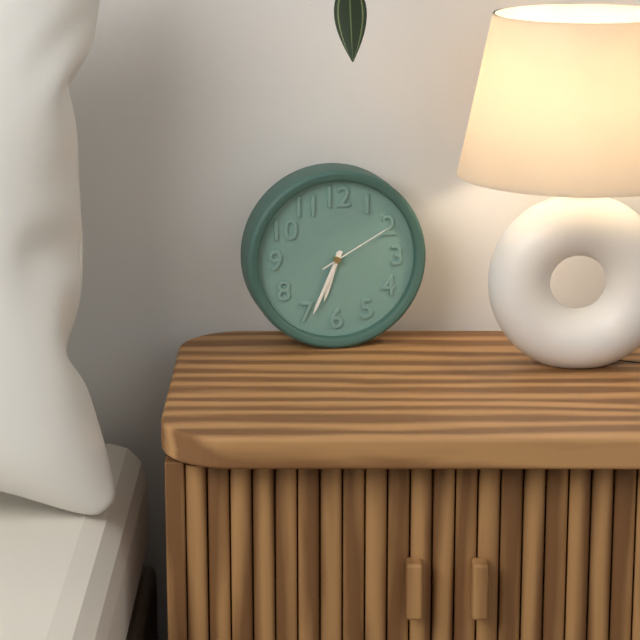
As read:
**6:34:10**
